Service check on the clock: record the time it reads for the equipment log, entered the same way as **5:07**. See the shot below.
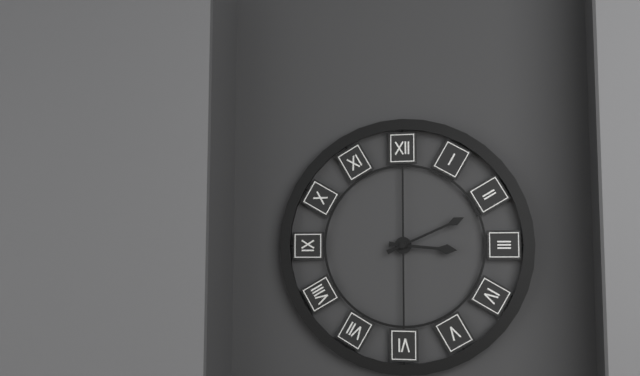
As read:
**3:11**
